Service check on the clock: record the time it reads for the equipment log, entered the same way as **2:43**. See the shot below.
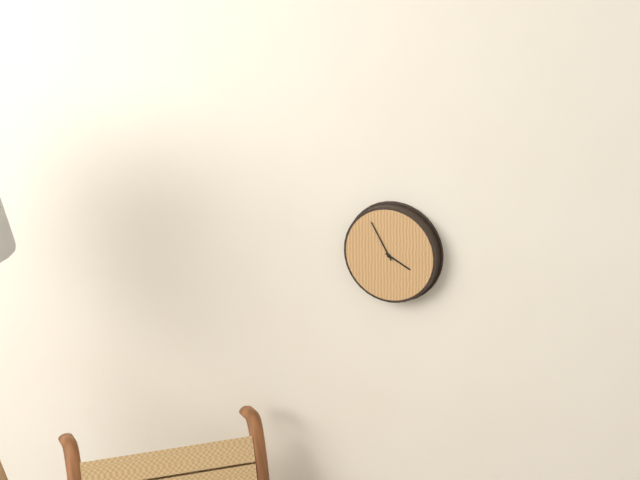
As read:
**3:55**
